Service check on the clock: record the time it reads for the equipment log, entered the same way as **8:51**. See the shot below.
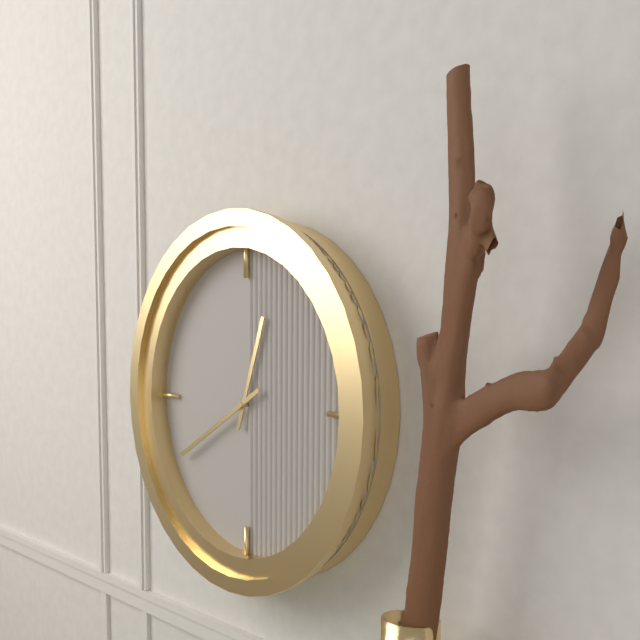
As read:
**12:40**
